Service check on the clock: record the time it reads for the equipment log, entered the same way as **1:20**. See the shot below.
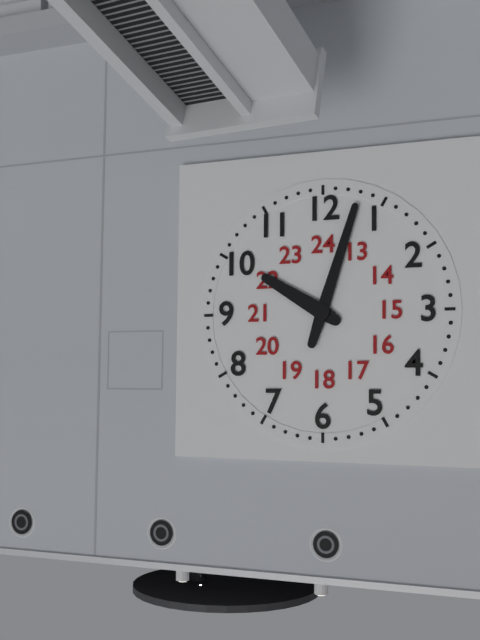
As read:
**10:03**
